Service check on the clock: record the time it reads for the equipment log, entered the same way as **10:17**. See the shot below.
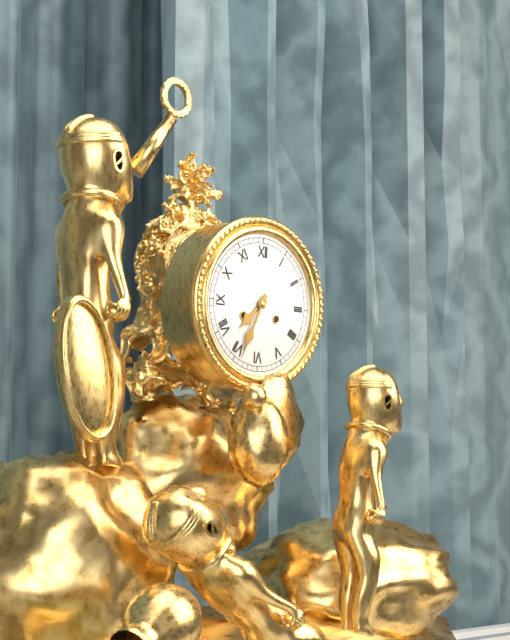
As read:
**7:34**
